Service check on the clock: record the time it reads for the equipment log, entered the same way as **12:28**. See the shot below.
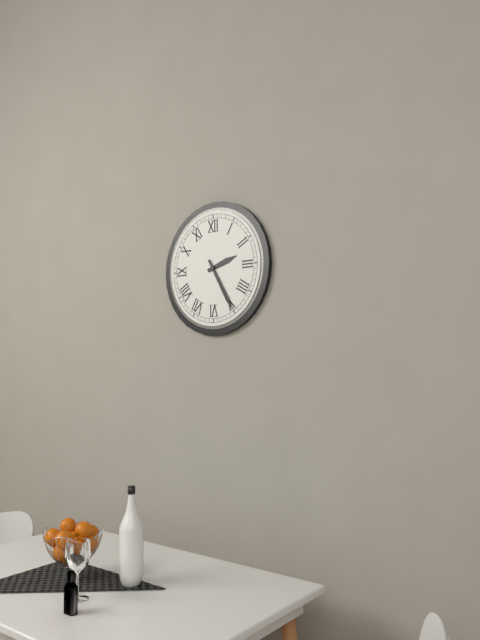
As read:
**2:25**
